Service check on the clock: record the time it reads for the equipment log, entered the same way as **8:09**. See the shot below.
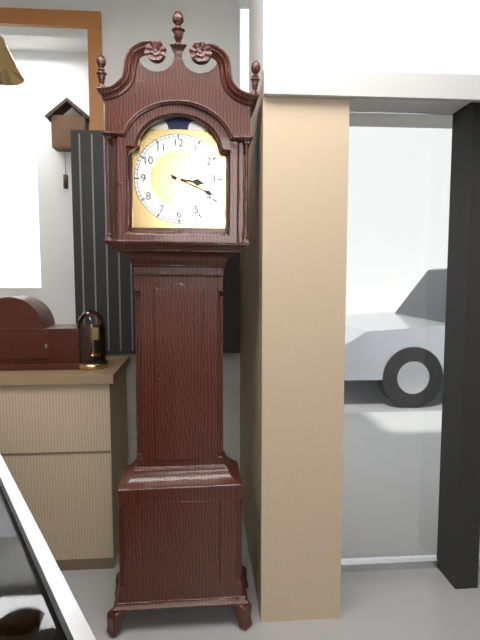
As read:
**3:19**
